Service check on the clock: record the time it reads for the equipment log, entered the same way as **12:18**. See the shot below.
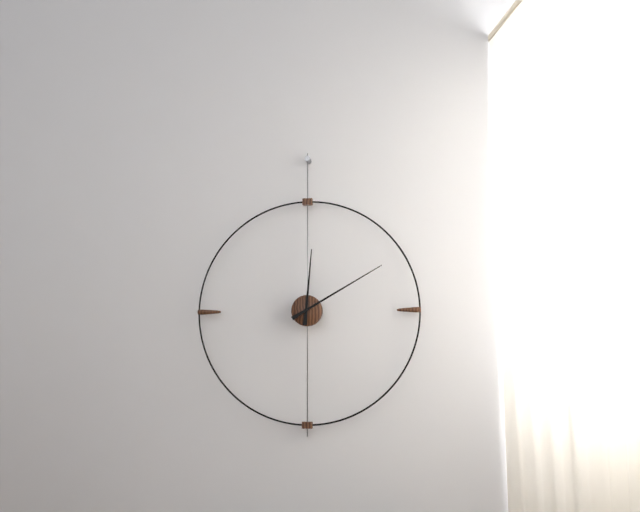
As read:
**12:10**
